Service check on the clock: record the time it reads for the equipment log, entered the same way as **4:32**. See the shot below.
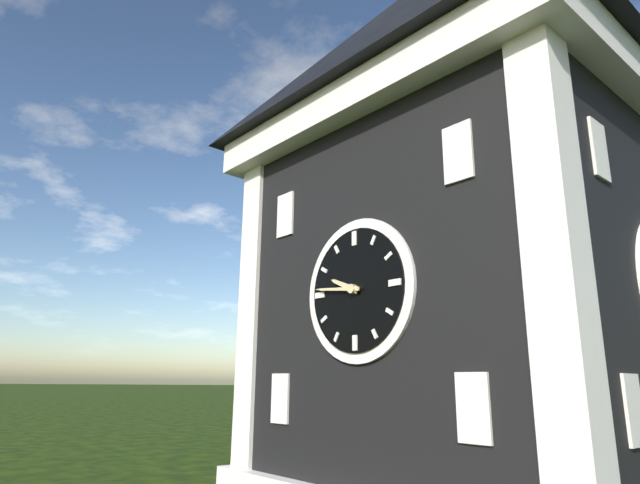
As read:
**9:46**
